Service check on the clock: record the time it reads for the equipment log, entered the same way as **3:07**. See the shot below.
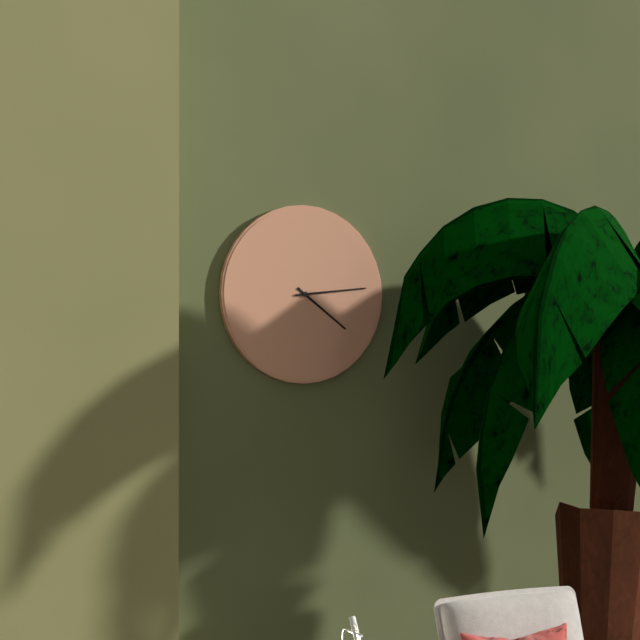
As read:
**4:14**
